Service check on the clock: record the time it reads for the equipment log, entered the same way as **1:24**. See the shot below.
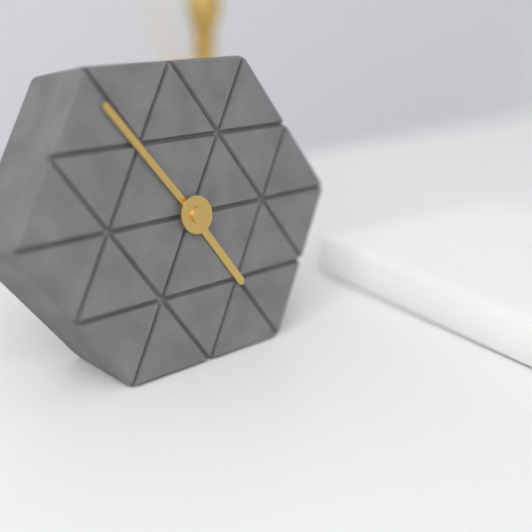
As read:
**4:54**
